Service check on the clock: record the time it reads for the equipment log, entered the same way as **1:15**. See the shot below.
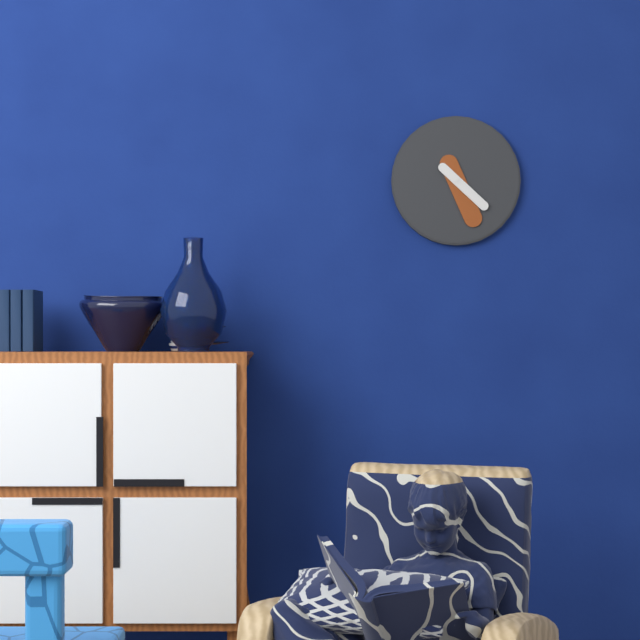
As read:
**4:26**
